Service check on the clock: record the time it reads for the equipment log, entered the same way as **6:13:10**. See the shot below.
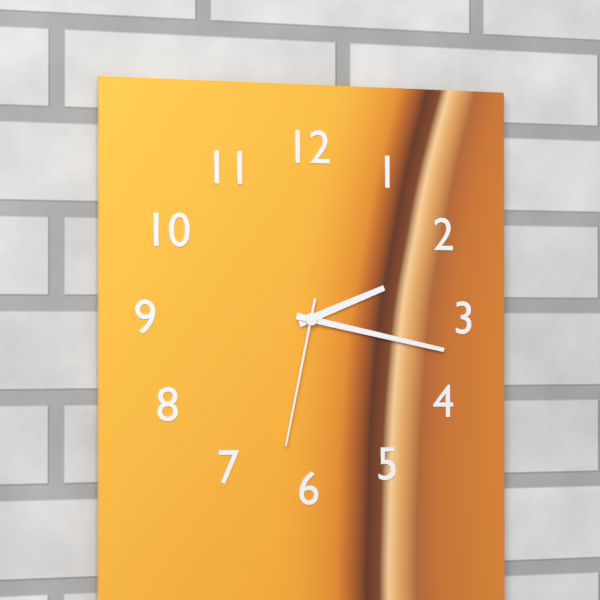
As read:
**2:17:32**
